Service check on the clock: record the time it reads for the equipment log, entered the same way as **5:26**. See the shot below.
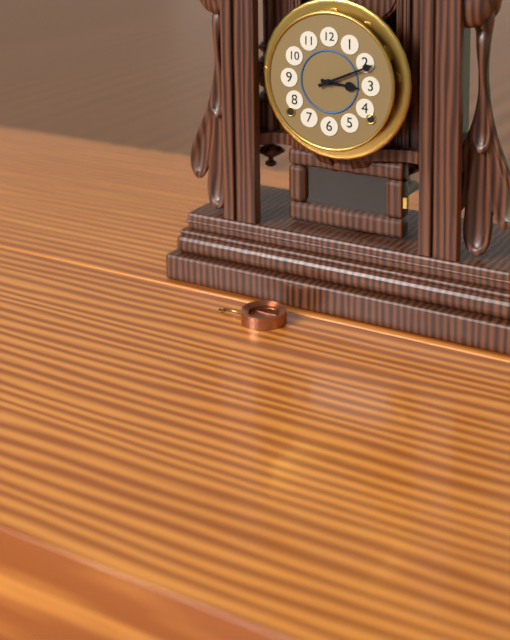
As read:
**3:11**
